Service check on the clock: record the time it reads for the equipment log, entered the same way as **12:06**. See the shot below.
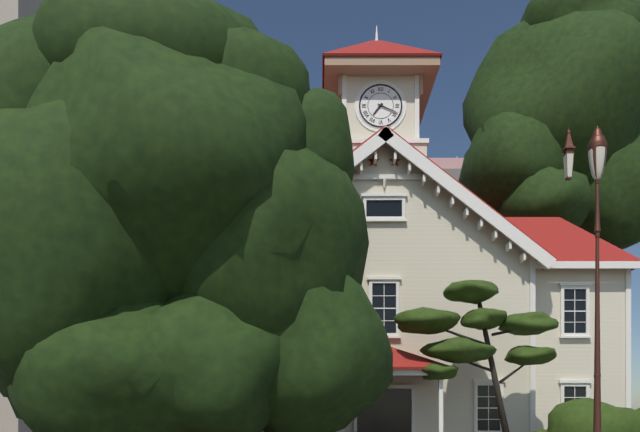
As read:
**7:19**
